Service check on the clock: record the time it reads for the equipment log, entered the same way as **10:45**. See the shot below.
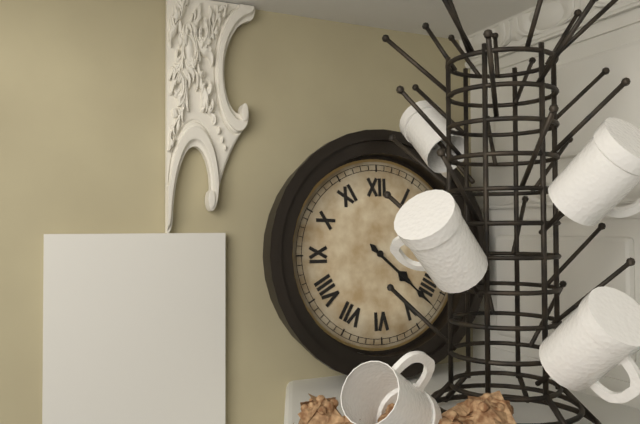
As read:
**4:22**
